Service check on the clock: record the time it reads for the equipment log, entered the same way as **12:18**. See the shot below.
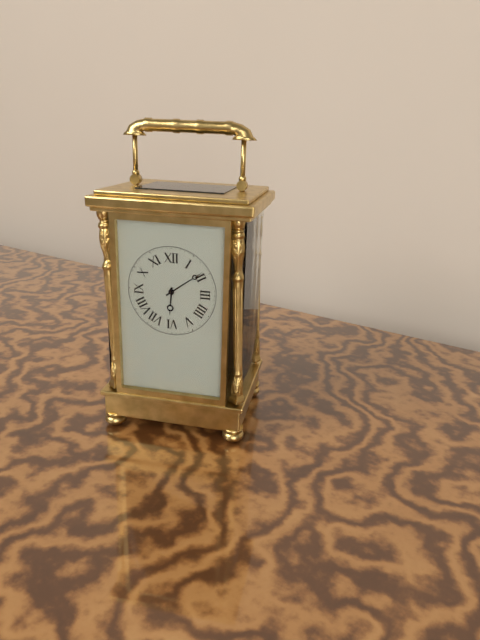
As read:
**6:09**
